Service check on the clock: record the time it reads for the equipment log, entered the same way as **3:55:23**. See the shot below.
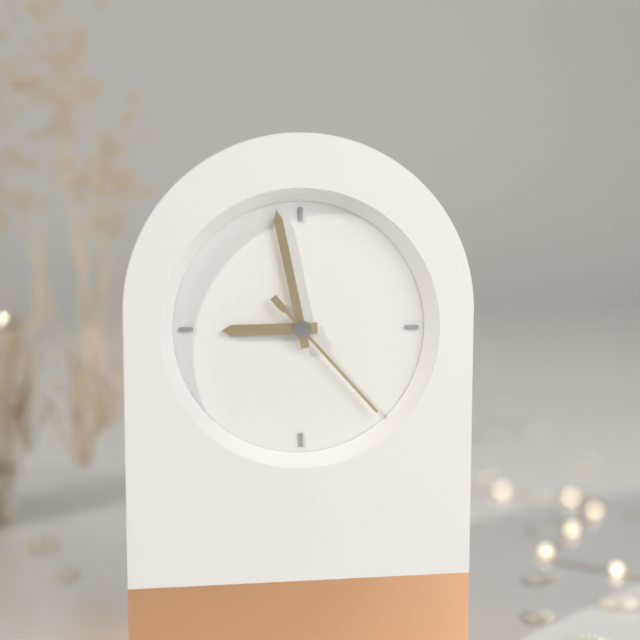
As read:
**8:58:23**
